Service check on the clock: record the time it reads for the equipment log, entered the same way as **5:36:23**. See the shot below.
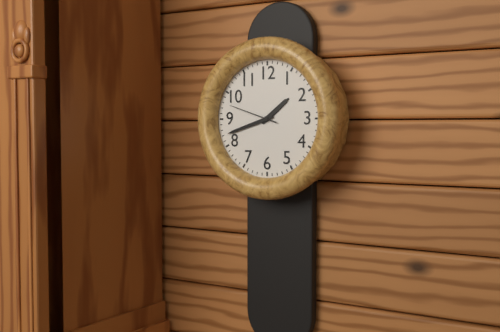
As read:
**1:42:48**
